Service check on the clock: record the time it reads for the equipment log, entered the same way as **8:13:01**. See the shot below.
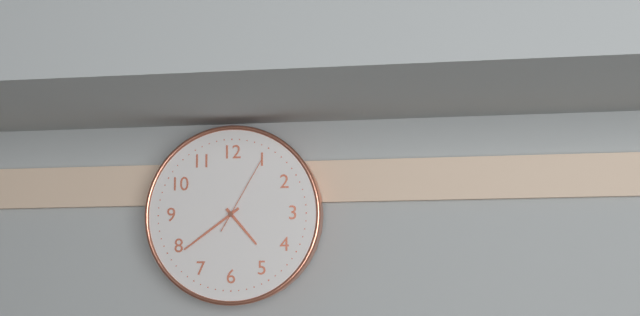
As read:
**4:39:05**
